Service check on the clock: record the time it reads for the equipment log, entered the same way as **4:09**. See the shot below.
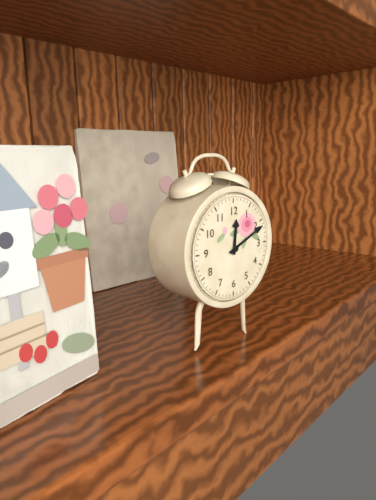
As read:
**12:11**
